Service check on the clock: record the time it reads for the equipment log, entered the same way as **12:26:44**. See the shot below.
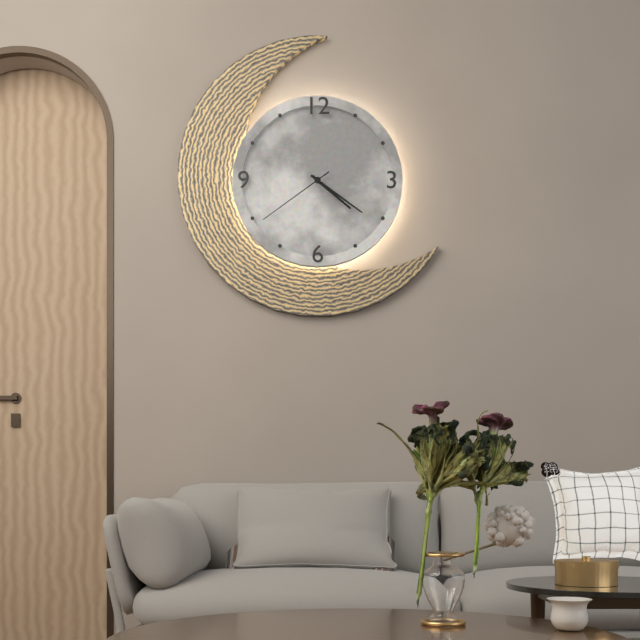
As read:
**4:21:39**
